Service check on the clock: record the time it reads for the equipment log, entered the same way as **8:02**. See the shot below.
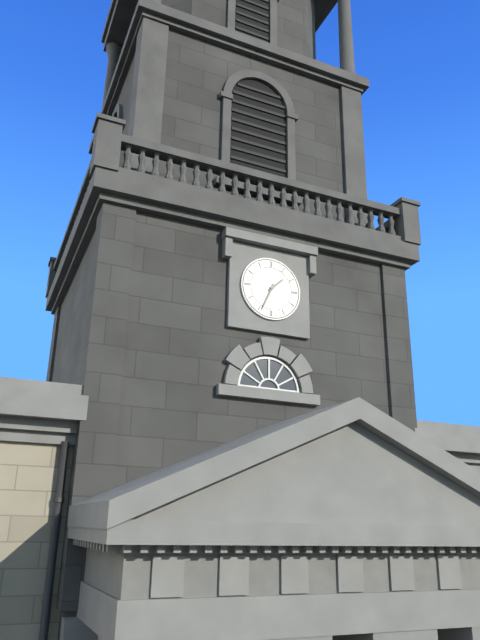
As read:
**1:34**
